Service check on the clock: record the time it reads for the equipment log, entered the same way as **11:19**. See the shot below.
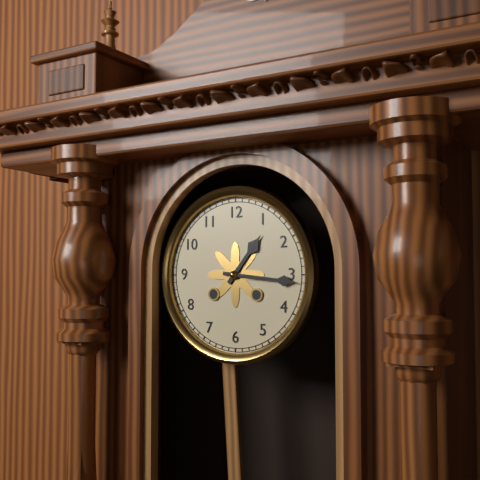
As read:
**1:16**
